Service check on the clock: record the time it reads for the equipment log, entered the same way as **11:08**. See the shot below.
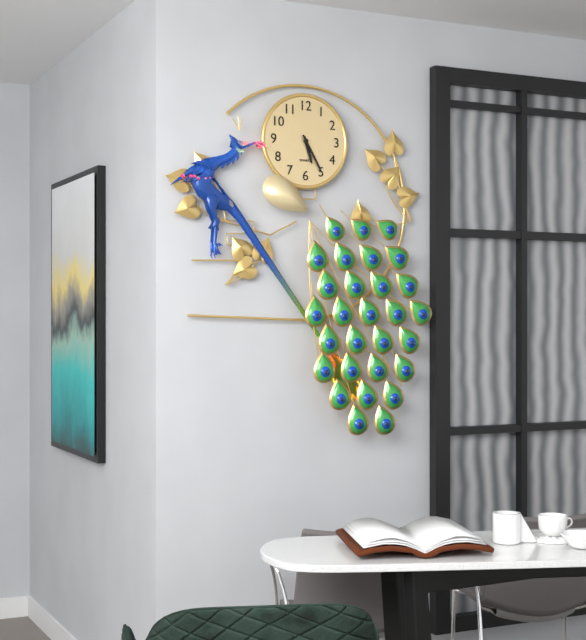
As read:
**5:25**
